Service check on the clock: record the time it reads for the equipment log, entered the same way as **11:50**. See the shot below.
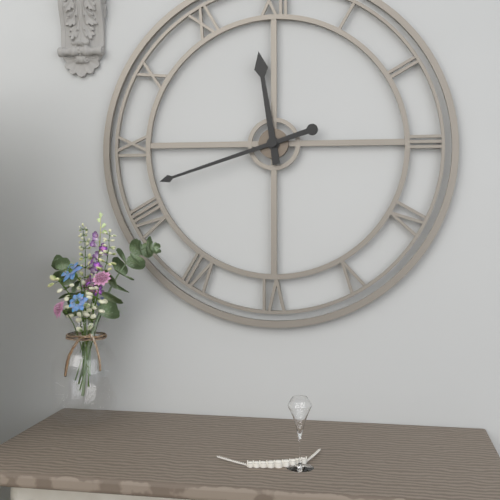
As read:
**11:42**
